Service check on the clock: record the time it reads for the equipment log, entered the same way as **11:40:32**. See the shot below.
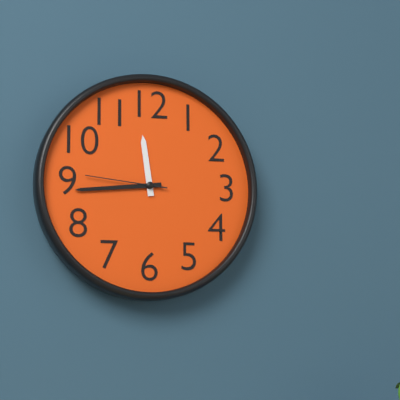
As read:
**11:44:46**
